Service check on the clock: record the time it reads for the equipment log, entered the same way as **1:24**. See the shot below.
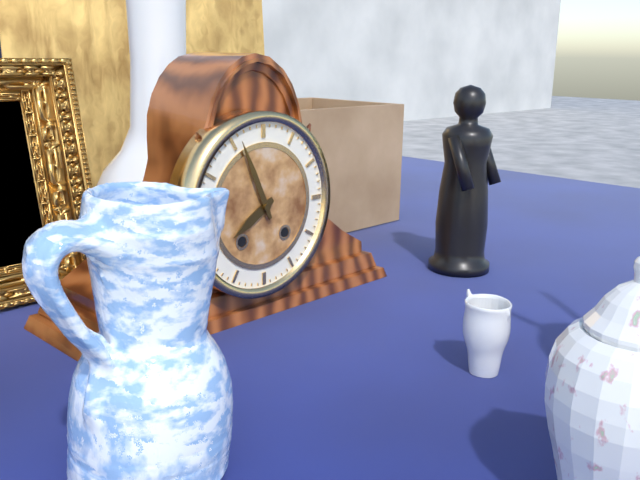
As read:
**7:56**
